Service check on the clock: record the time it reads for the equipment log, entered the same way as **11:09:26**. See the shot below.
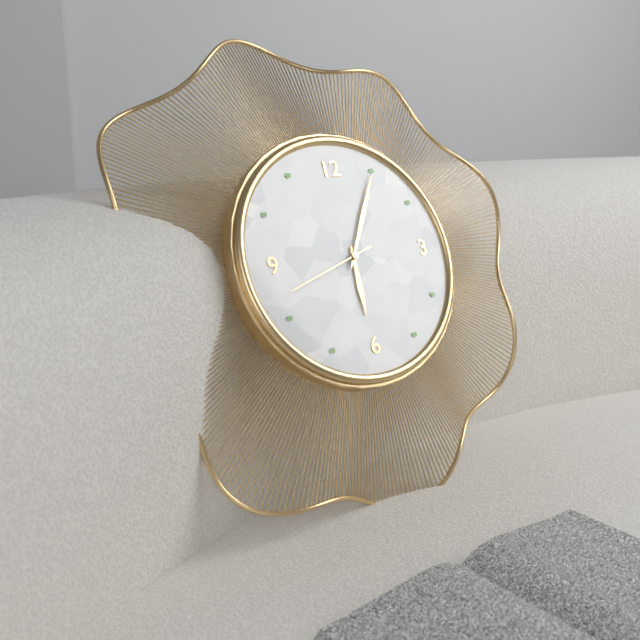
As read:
**6:05:42**
